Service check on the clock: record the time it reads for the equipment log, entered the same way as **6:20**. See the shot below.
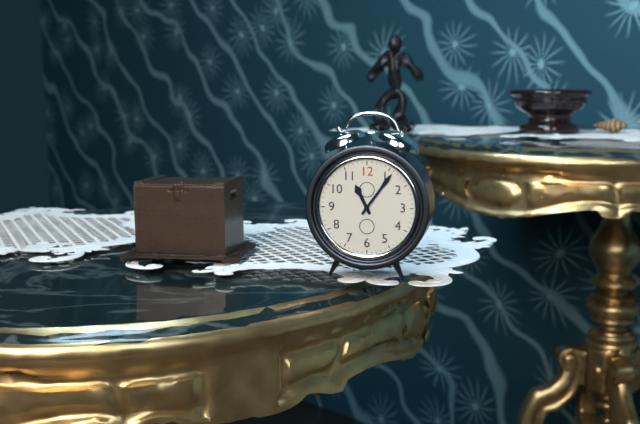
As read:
**11:06**
